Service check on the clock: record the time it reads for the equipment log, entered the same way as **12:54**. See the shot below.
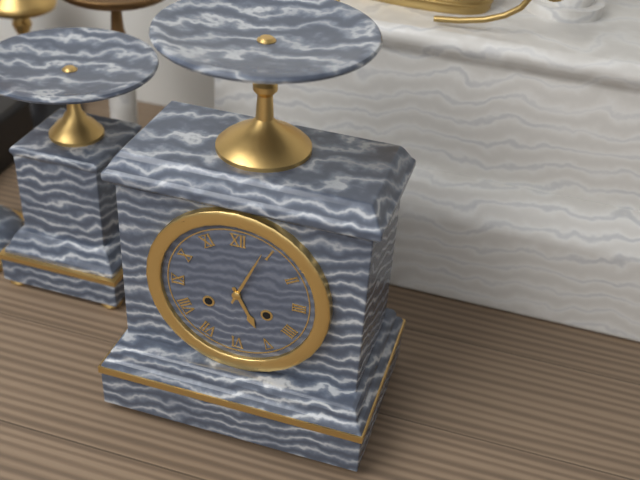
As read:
**5:04**
